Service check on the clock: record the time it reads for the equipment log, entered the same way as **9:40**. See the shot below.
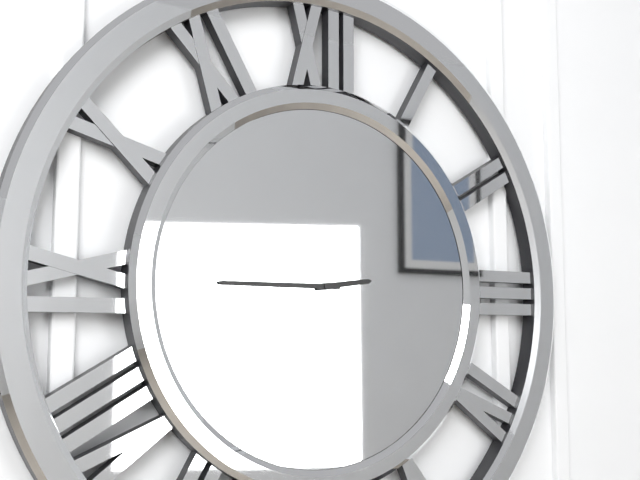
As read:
**2:45**
